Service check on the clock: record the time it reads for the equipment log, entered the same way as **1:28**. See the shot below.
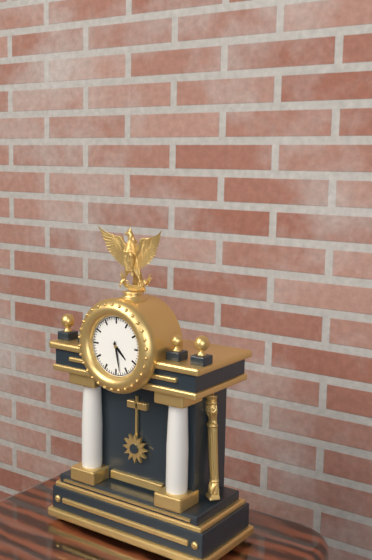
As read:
**4:28**
